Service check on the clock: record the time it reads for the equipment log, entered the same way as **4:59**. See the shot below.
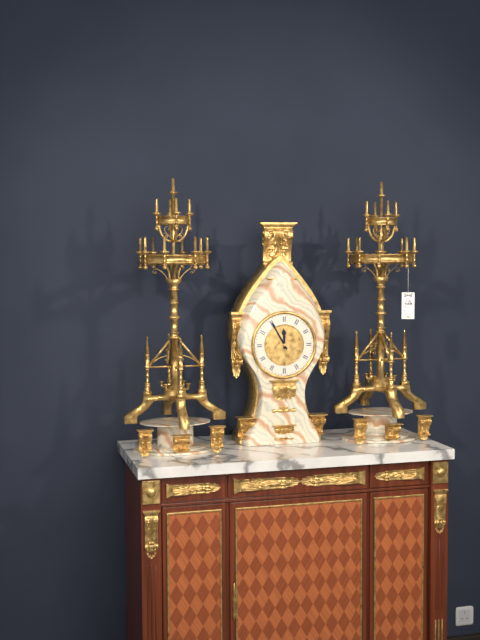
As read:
**11:55**
